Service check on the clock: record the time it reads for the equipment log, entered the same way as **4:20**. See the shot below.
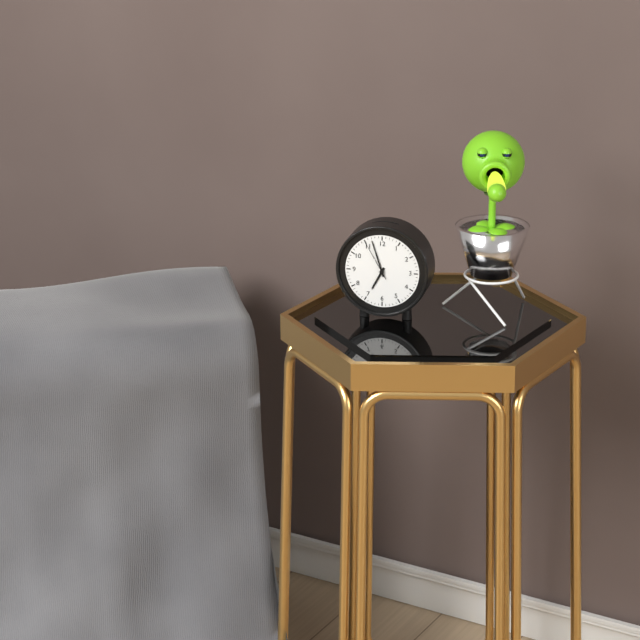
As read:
**6:57**
